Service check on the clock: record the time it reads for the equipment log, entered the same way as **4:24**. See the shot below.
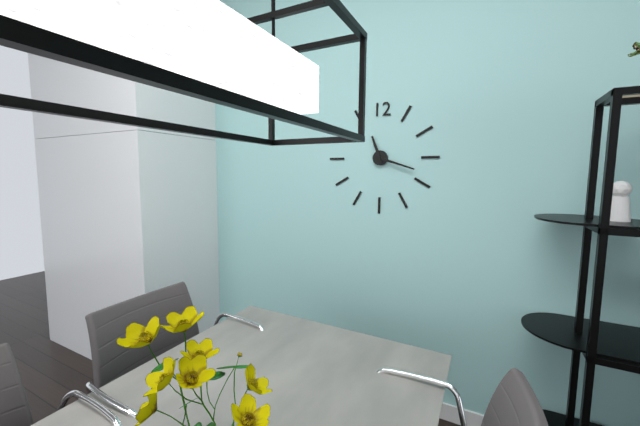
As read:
**11:18**
